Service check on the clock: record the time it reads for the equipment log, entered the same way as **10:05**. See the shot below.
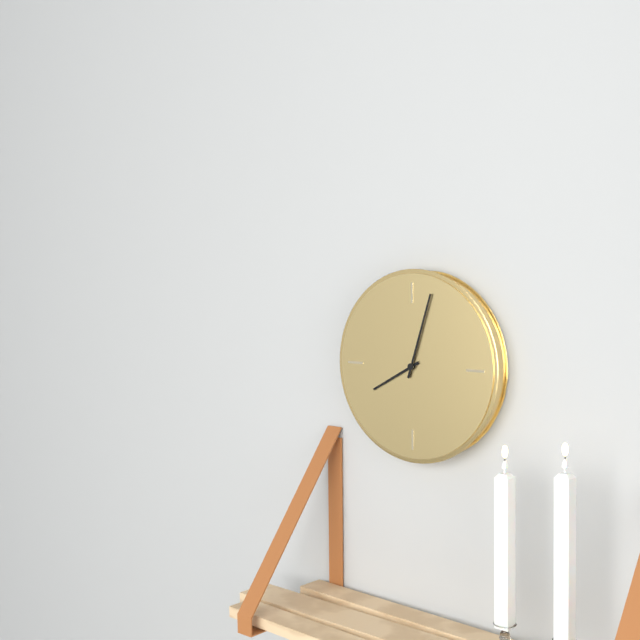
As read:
**8:03**
